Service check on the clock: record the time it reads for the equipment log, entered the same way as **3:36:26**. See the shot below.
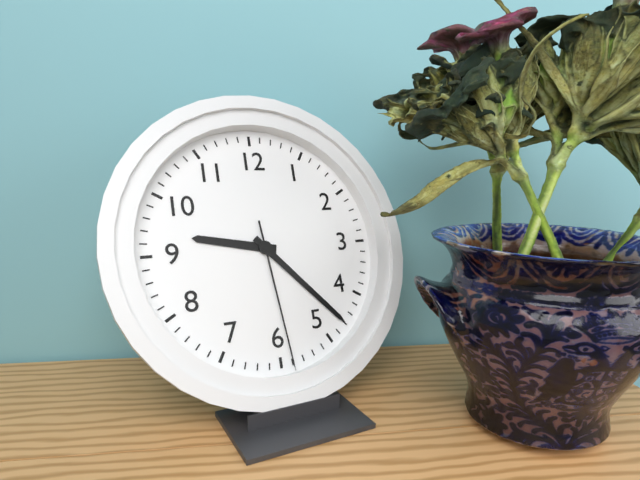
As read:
**9:23:29**
